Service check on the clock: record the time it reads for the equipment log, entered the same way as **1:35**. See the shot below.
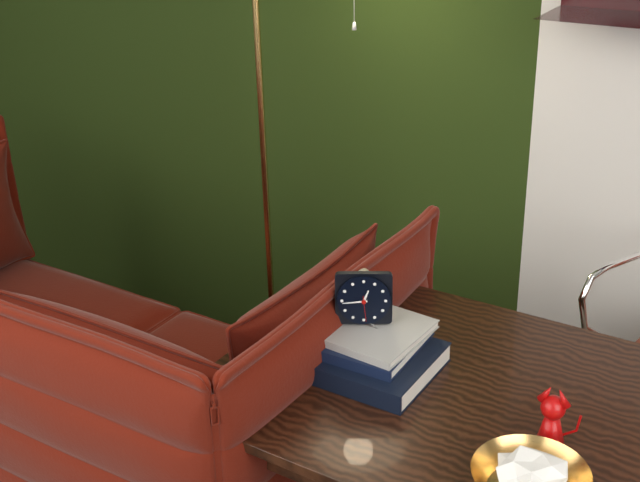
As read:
**12:44**
